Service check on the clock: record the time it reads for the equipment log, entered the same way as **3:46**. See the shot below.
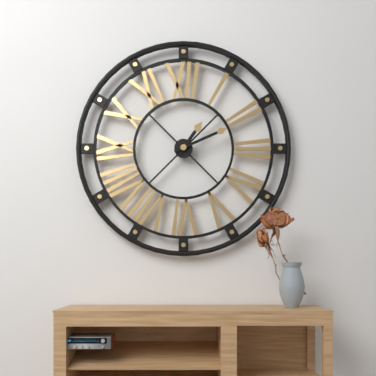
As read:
**1:11**
